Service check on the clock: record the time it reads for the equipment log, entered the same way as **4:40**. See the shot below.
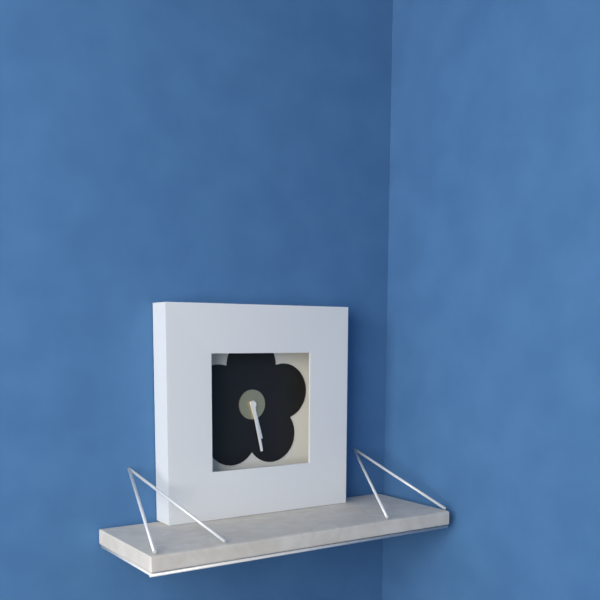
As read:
**5:28**
